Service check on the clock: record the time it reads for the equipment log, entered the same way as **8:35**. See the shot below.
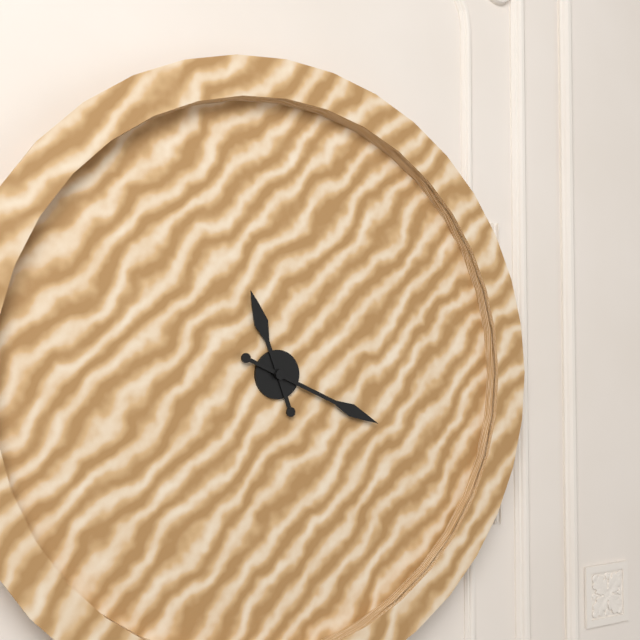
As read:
**11:19**
